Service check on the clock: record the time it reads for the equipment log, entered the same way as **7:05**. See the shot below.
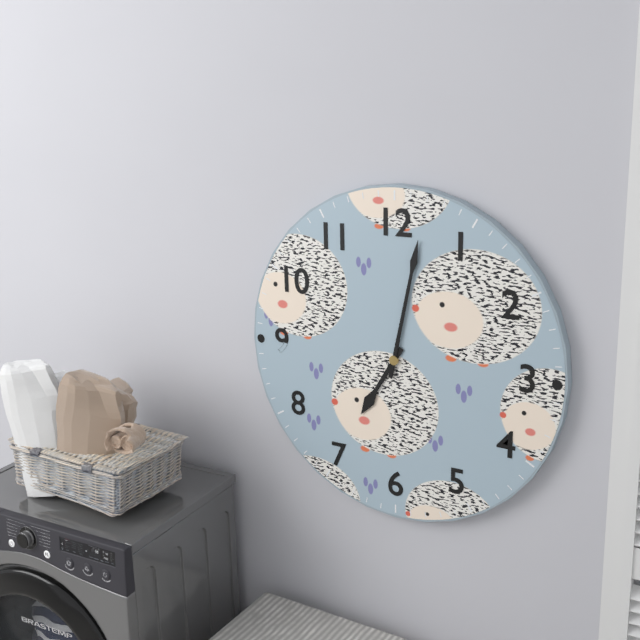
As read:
**7:02**
